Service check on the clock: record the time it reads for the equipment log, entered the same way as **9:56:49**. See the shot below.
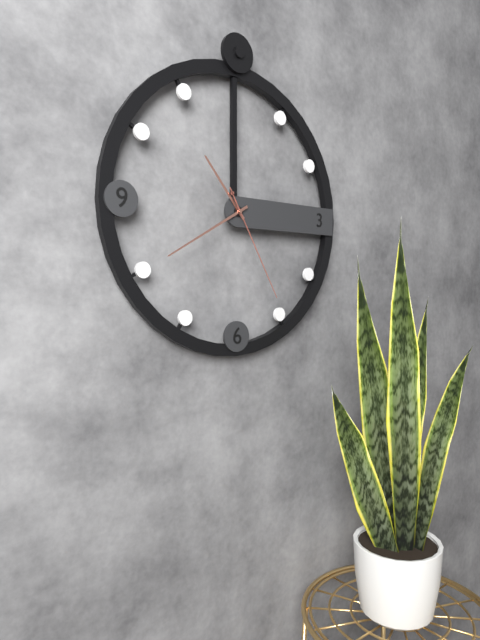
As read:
**10:40:25**
